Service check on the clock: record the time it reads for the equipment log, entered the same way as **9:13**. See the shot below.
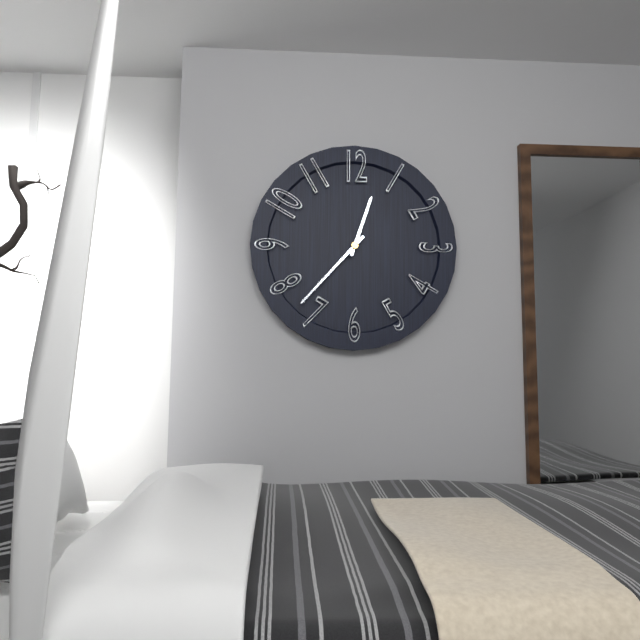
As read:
**12:37**
